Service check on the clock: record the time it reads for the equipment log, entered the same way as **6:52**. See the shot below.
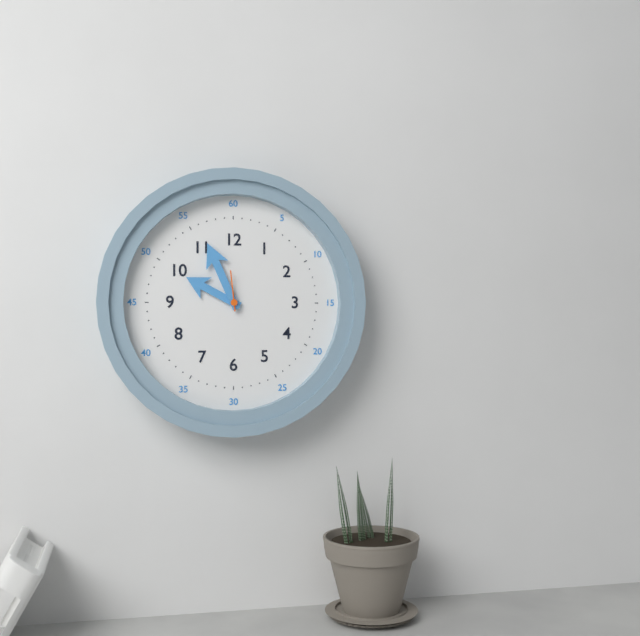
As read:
**9:56**
